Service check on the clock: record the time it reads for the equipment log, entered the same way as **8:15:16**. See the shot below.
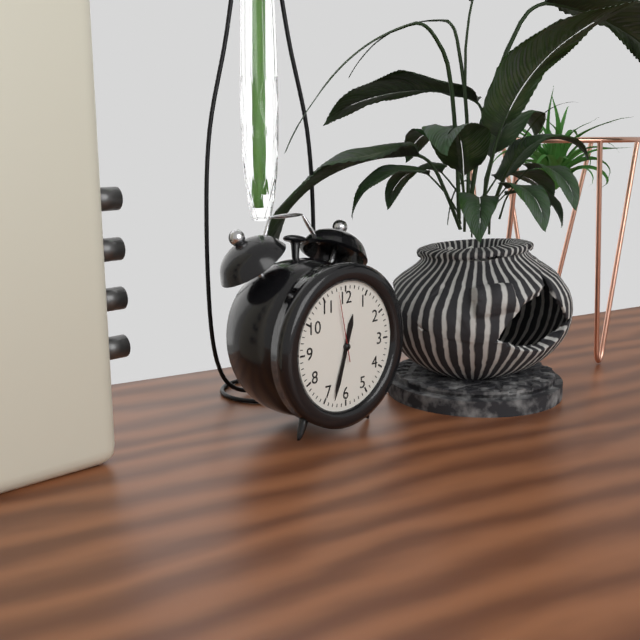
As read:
**12:33:58**
